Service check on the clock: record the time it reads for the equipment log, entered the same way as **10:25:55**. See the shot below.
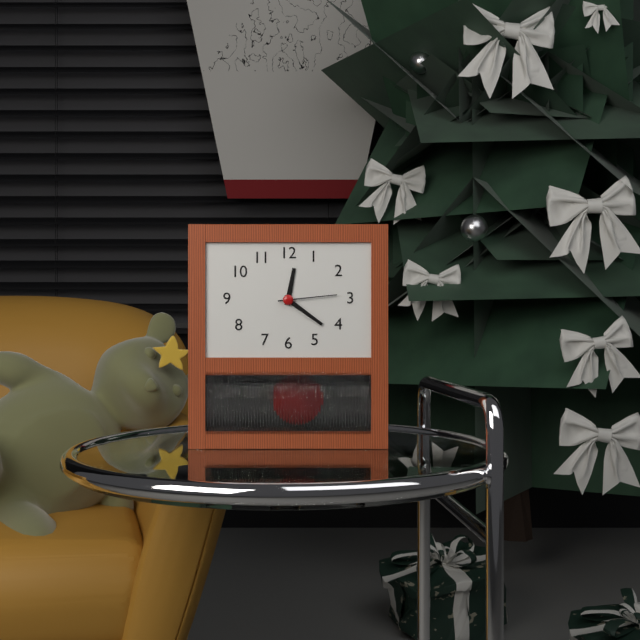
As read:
**12:21:14**
